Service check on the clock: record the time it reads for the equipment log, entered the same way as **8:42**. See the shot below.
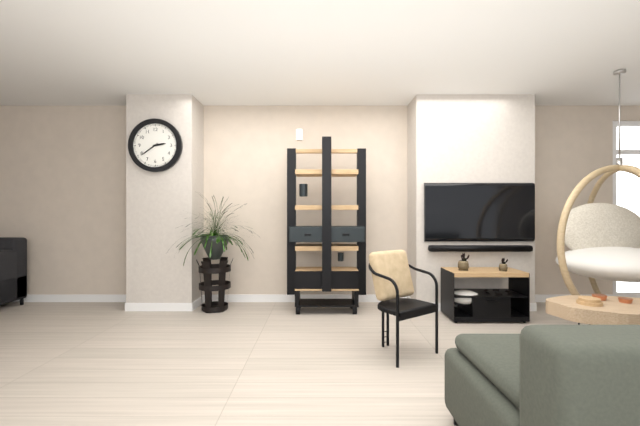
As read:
**2:39**
